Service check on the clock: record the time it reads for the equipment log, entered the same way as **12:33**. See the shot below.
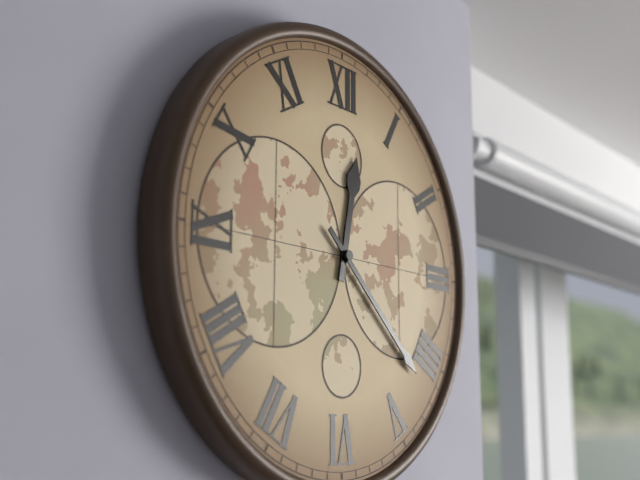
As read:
**12:22**
